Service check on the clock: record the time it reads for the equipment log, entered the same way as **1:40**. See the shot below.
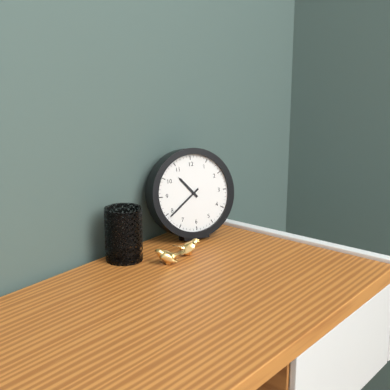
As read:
**10:39**
